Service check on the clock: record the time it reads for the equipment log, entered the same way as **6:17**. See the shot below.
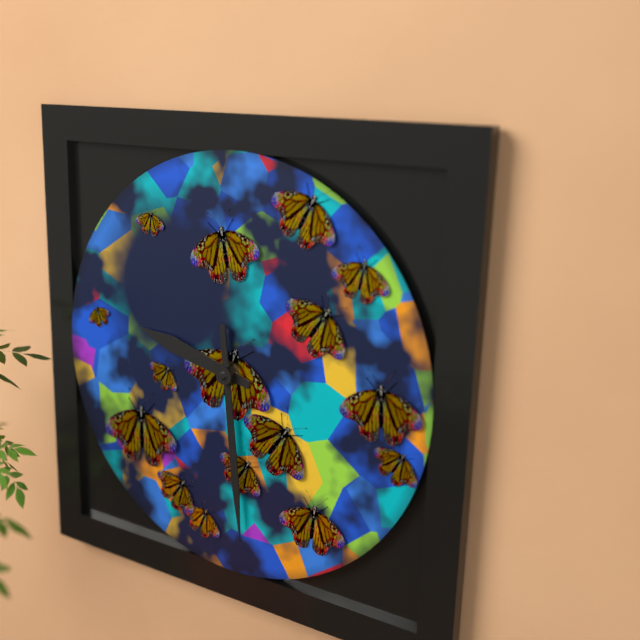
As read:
**9:29**
